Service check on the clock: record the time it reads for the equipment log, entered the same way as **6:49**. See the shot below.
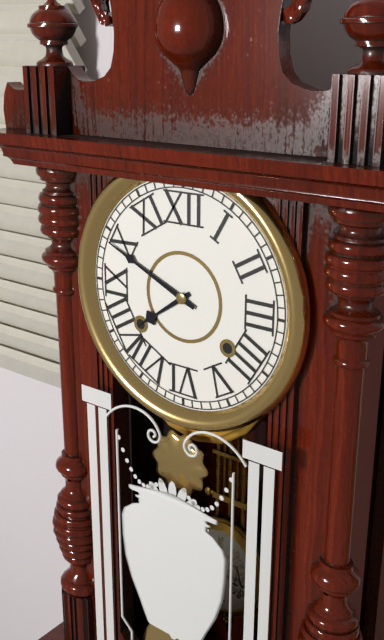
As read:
**7:49**
